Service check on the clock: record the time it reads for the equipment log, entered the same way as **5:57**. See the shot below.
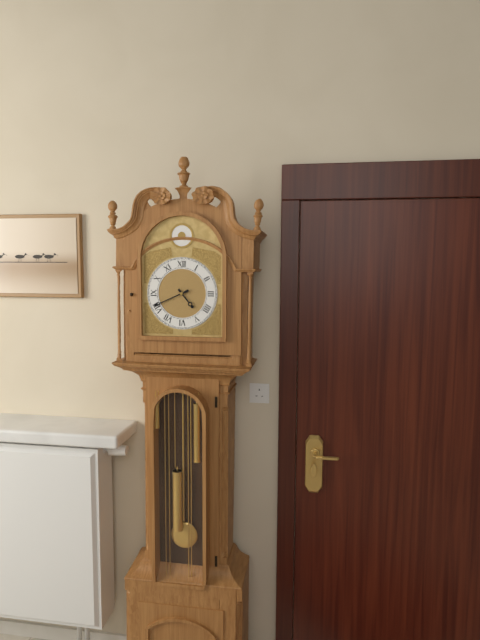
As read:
**4:41**
